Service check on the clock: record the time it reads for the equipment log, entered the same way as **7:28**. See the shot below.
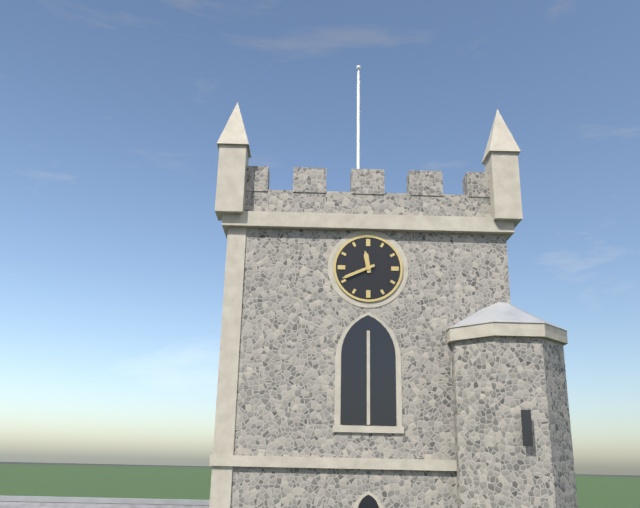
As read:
**11:41**
